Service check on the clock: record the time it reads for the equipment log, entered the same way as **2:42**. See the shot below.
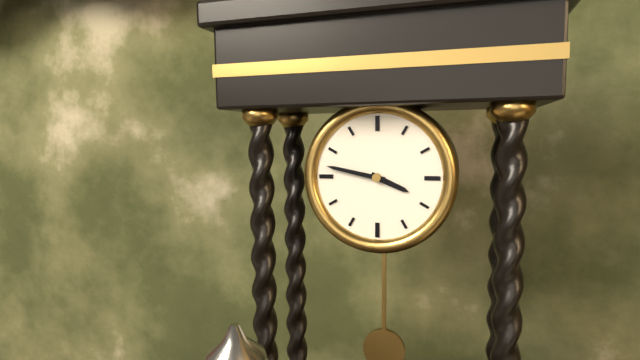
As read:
**3:47**
